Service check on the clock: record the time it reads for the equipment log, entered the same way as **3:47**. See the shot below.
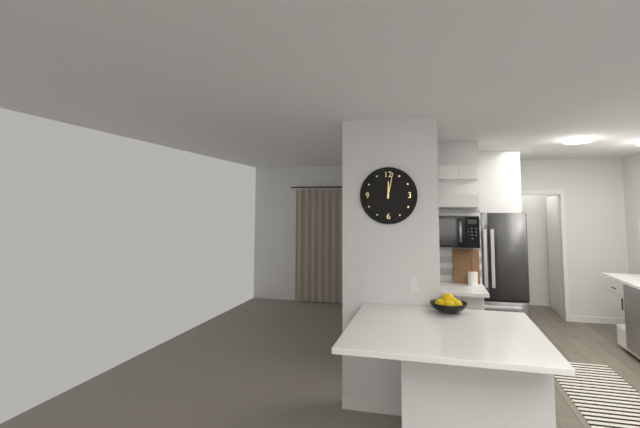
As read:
**12:02**
